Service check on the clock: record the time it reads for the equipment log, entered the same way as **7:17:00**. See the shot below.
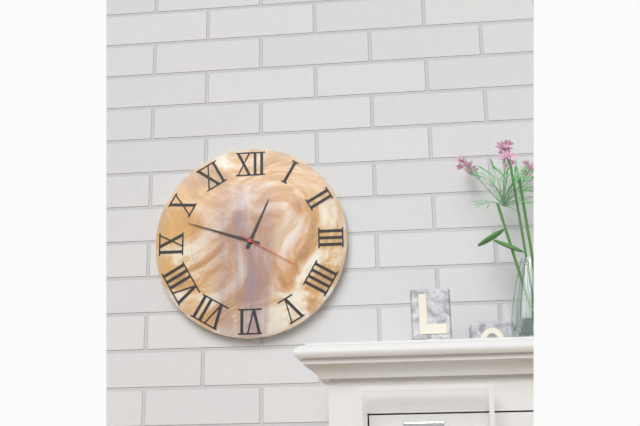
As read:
**12:48:20**
